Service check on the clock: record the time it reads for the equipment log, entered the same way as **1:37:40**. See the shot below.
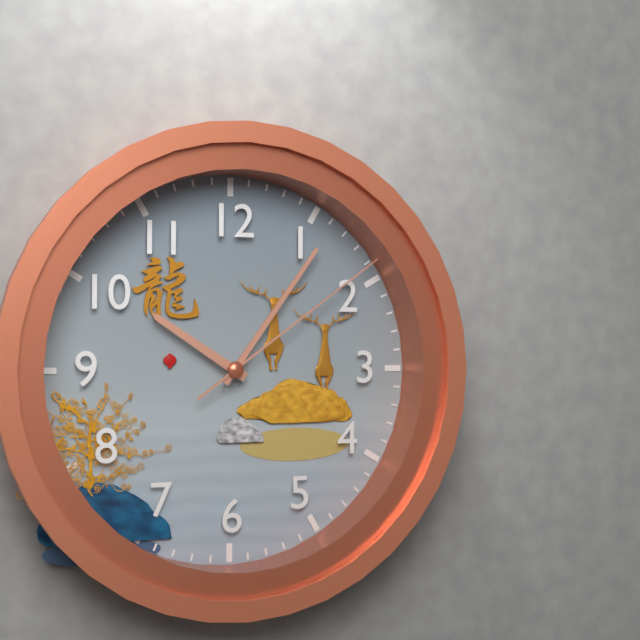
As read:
**10:06:09**
